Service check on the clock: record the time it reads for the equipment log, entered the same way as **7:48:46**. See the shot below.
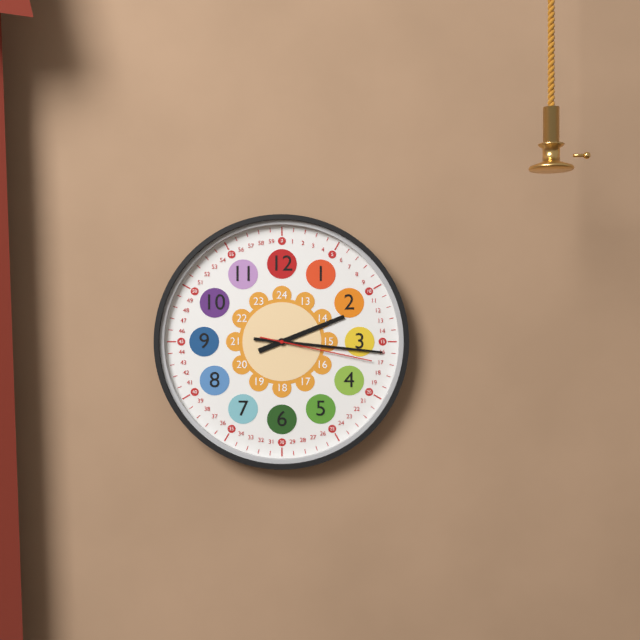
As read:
**2:16:17**
